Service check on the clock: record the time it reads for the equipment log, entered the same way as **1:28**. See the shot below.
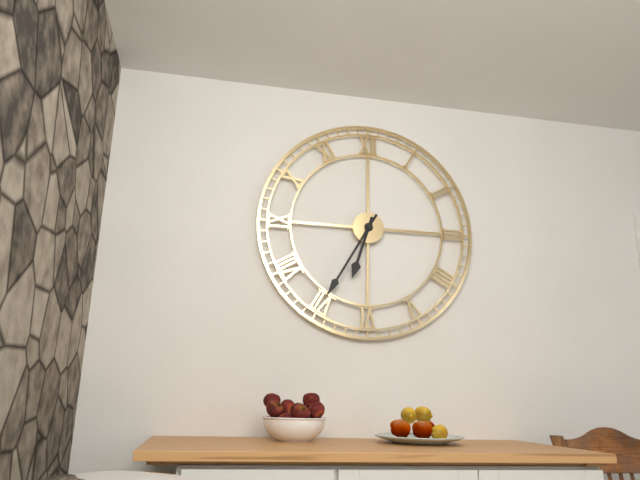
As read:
**6:35**
